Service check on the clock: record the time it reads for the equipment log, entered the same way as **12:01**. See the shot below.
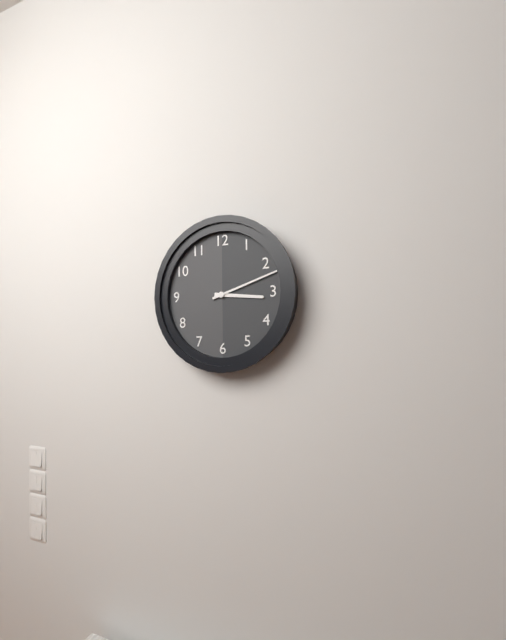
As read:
**3:12**
